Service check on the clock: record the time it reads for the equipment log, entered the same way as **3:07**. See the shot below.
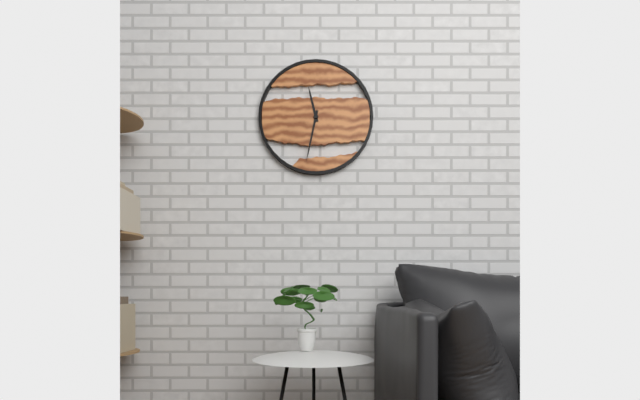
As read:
**11:32**
